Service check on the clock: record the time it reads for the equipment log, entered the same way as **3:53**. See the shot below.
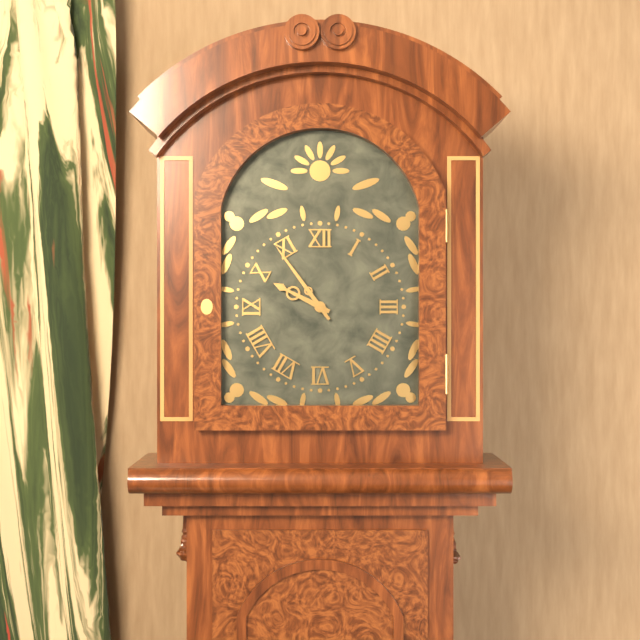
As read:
**9:54**
